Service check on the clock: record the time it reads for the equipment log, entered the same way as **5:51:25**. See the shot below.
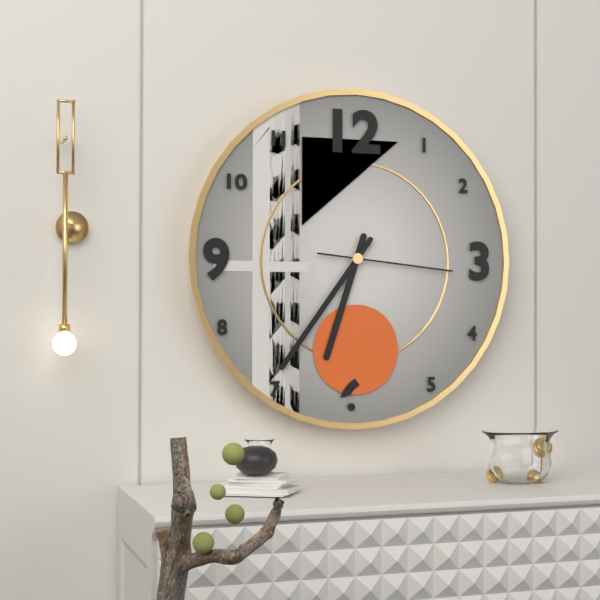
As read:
**6:36:16**
